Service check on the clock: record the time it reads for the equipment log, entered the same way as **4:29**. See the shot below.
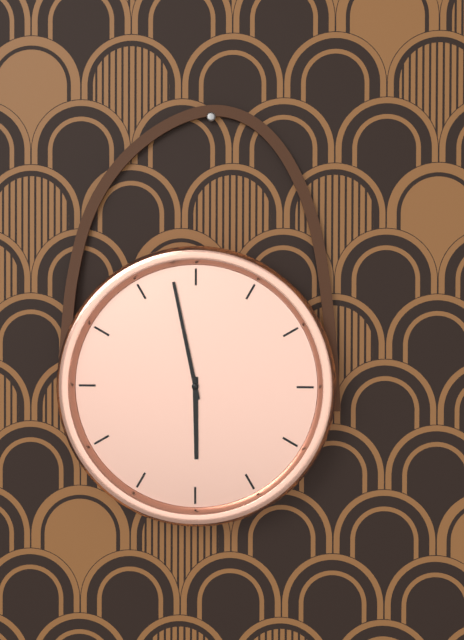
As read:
**5:58**
